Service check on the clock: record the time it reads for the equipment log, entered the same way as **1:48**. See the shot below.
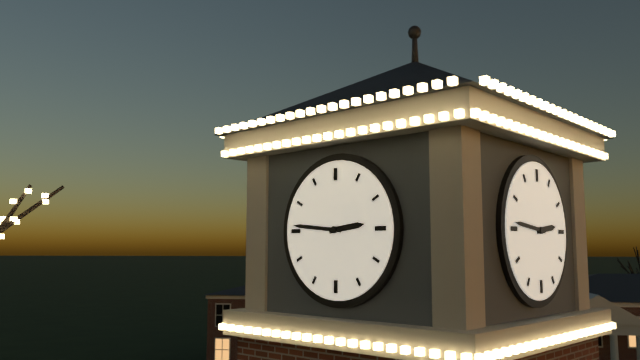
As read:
**2:46**
